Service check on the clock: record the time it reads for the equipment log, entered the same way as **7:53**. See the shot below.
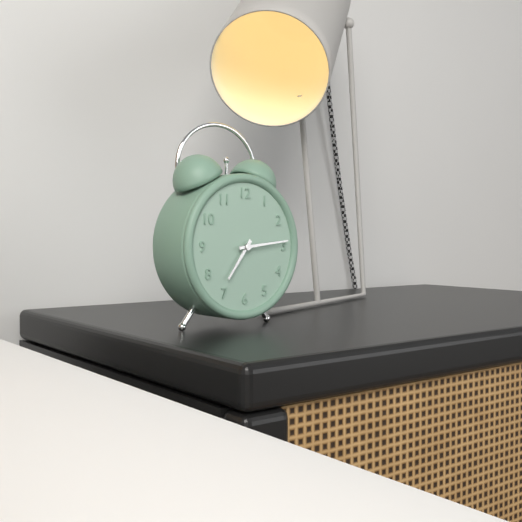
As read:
**7:14**
